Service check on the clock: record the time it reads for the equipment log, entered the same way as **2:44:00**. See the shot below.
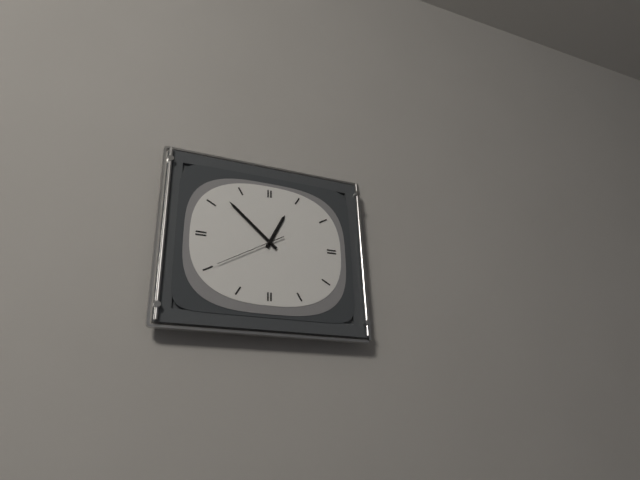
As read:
**12:52:40**
